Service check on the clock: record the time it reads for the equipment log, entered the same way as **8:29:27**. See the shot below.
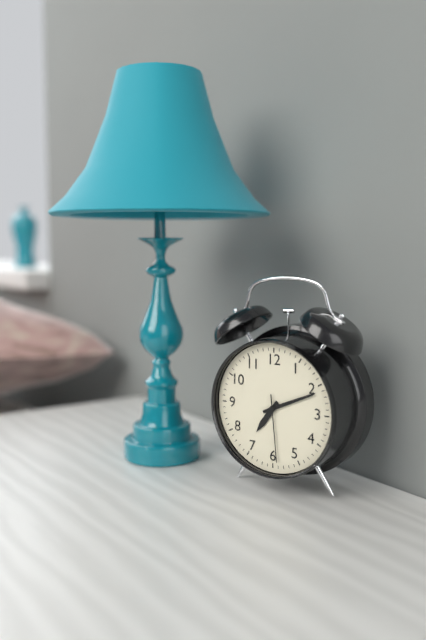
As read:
**7:11:29**
